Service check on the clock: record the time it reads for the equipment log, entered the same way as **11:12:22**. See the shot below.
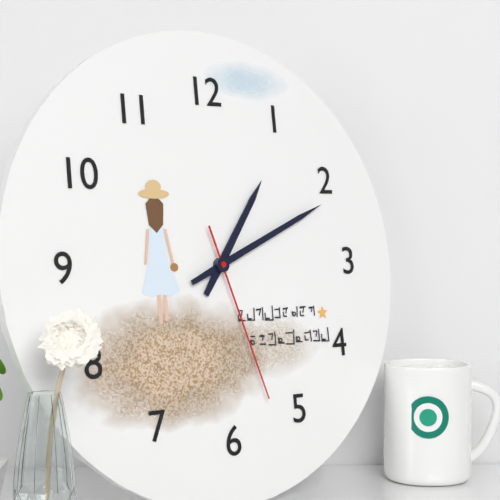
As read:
**1:11:27**
